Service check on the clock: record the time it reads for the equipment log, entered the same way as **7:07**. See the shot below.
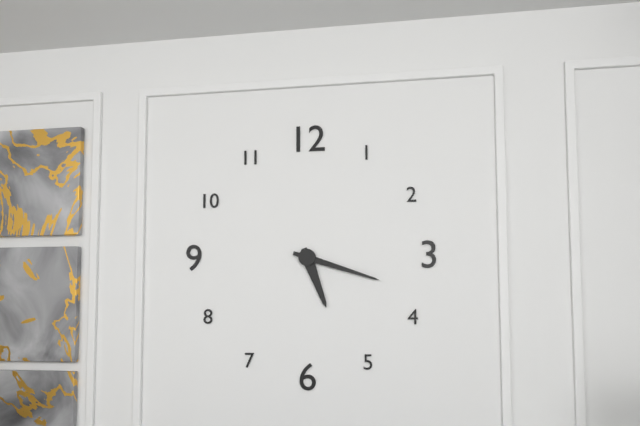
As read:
**5:18**
